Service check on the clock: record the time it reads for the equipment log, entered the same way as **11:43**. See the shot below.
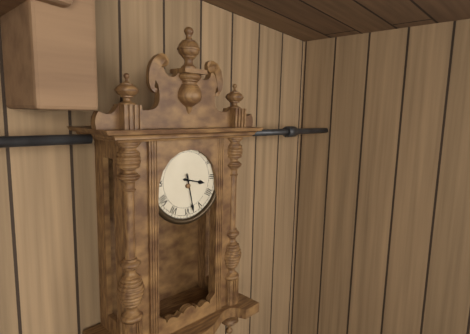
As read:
**3:28**
